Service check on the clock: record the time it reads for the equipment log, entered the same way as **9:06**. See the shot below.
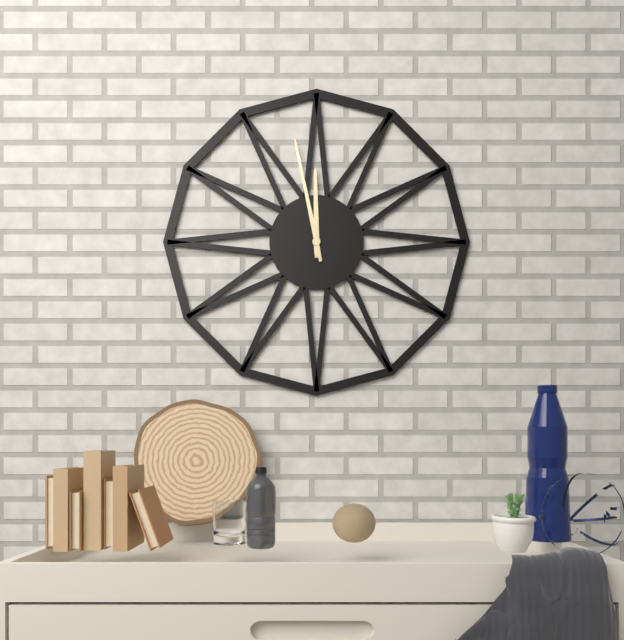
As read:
**11:58**
